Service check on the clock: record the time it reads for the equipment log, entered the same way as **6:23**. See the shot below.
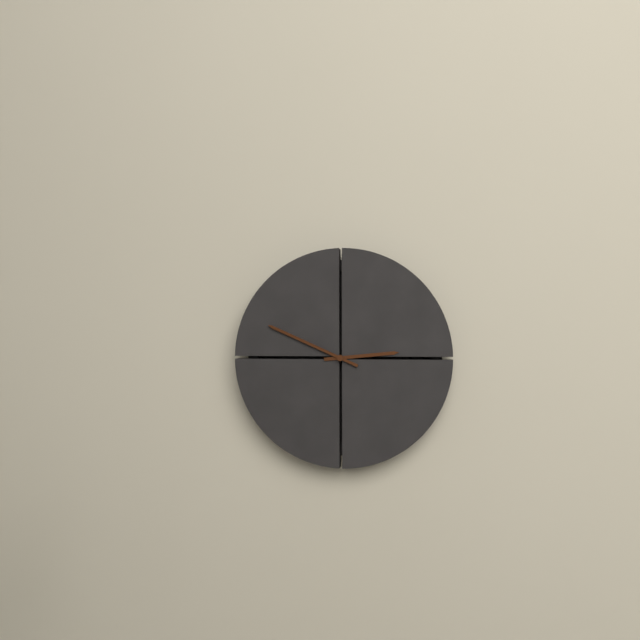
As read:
**2:49**
